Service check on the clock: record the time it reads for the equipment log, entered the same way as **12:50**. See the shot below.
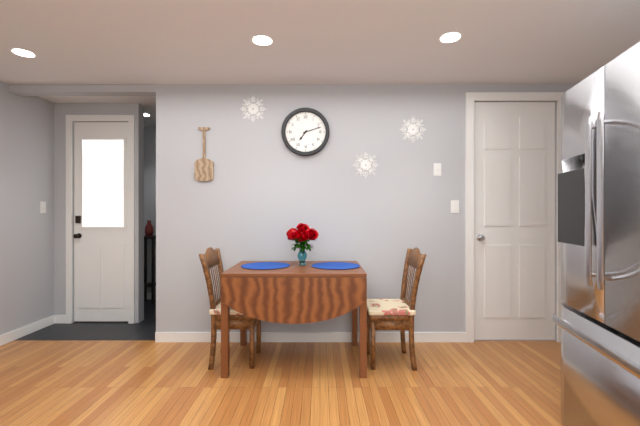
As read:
**7:12**
